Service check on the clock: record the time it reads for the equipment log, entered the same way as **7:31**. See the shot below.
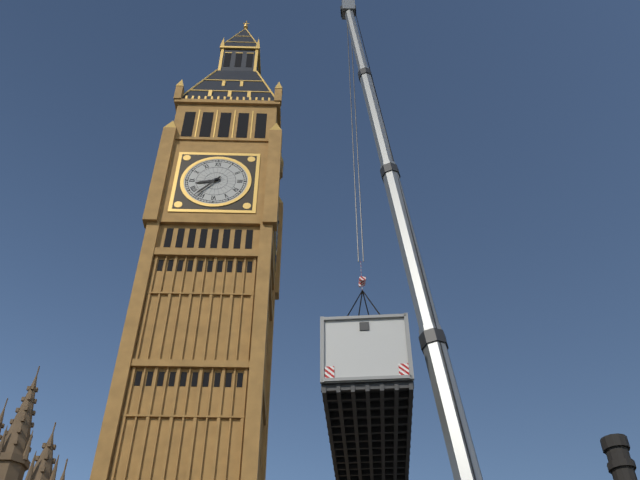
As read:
**8:37**
